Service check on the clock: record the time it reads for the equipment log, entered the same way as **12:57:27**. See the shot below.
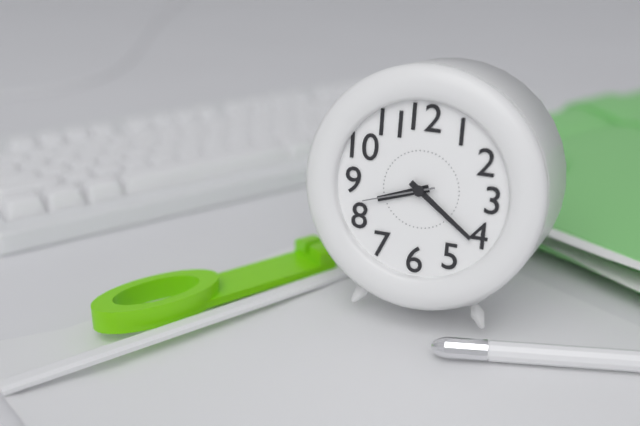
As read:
**8:21:42**
